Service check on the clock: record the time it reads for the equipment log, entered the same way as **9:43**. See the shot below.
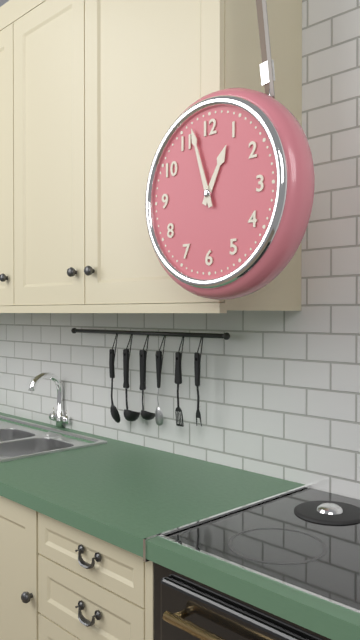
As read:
**12:57**
